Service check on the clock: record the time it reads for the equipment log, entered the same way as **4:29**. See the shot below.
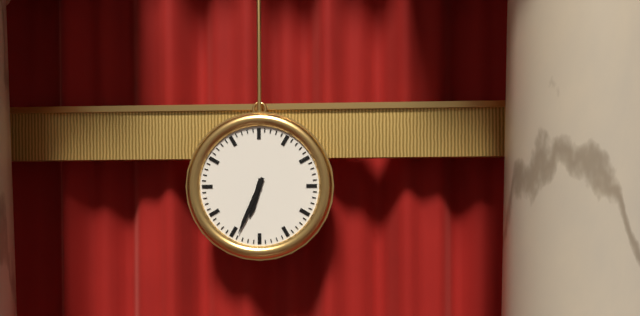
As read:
**6:34**
